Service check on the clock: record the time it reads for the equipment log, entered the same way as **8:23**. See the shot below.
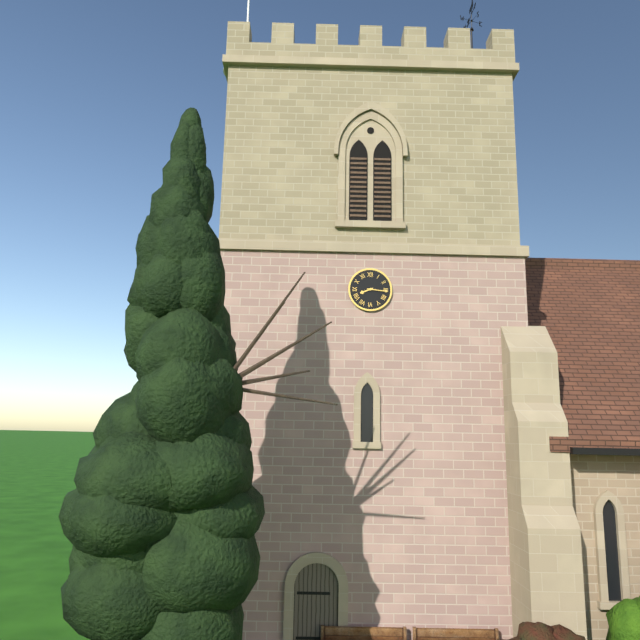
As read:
**8:16**
